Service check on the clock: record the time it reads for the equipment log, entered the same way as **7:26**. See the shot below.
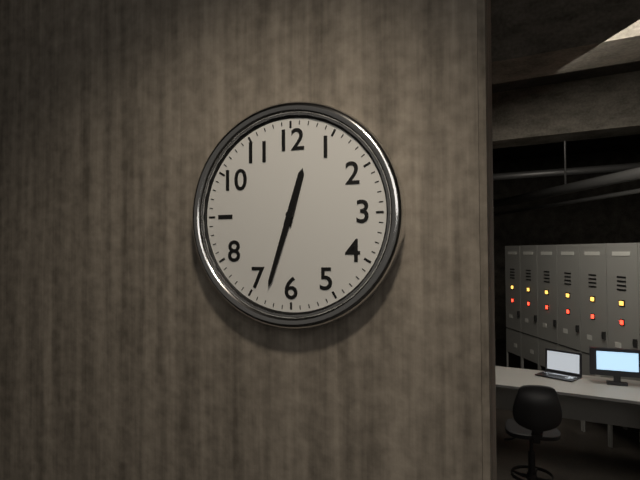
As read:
**12:33**
